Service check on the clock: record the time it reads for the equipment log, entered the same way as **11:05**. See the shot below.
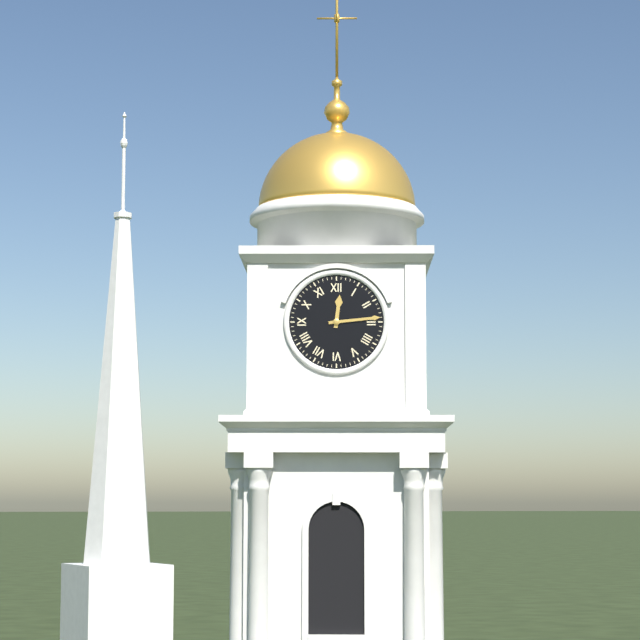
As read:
**12:14**
